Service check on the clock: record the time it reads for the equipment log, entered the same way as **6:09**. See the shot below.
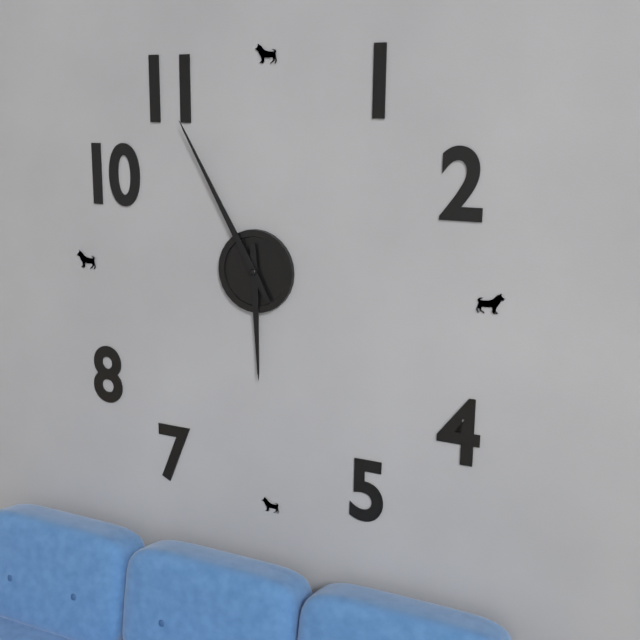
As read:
**5:55**
